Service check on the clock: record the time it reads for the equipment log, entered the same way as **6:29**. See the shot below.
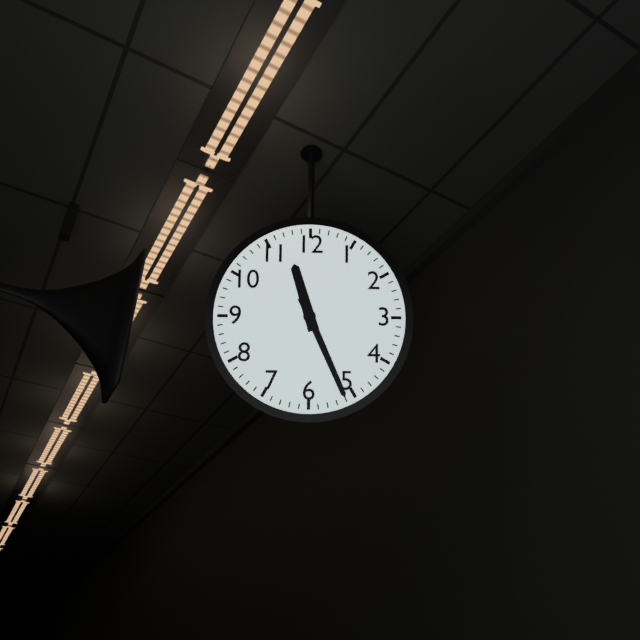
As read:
**11:26**
